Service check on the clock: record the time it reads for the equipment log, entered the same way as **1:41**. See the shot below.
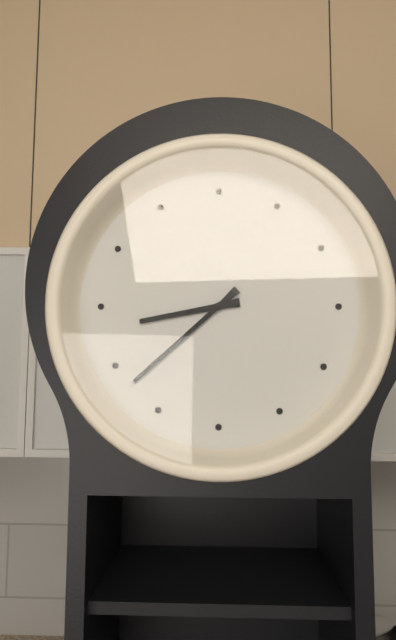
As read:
**8:38**
